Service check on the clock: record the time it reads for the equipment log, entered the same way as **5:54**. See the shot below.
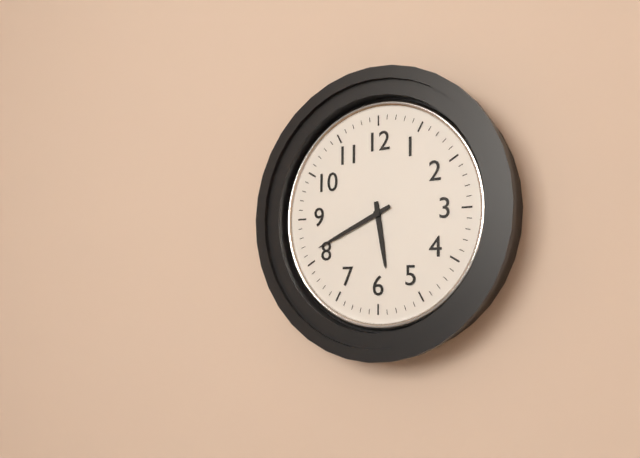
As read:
**5:41**
